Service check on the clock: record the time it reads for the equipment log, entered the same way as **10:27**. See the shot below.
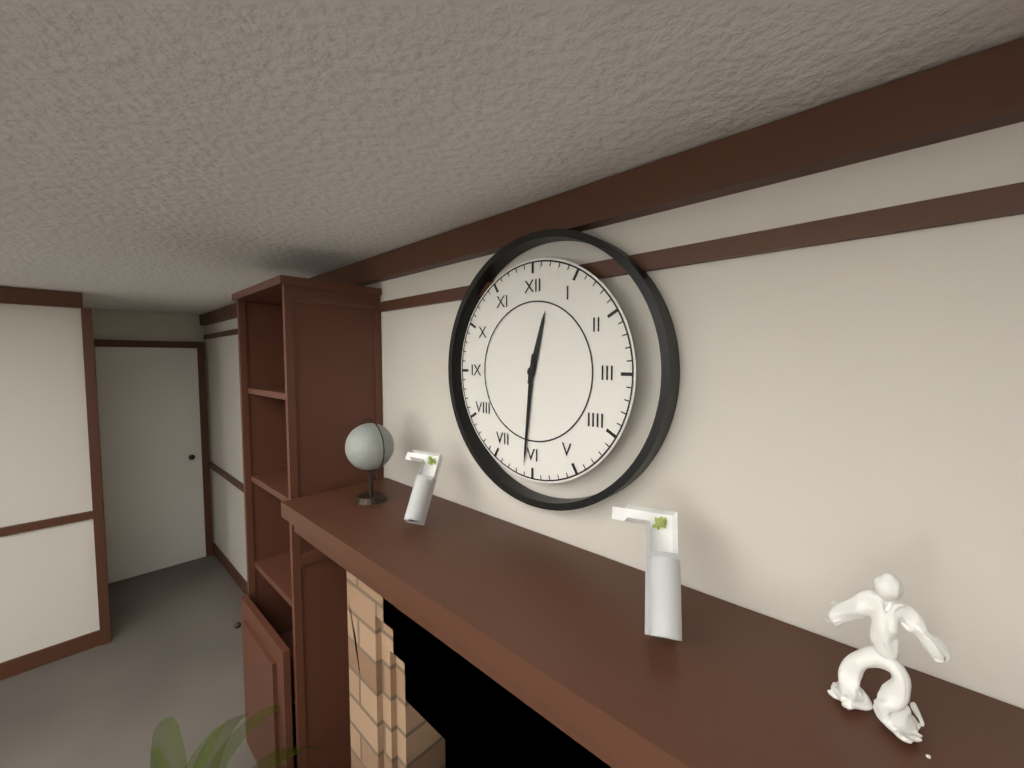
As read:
**12:31**
